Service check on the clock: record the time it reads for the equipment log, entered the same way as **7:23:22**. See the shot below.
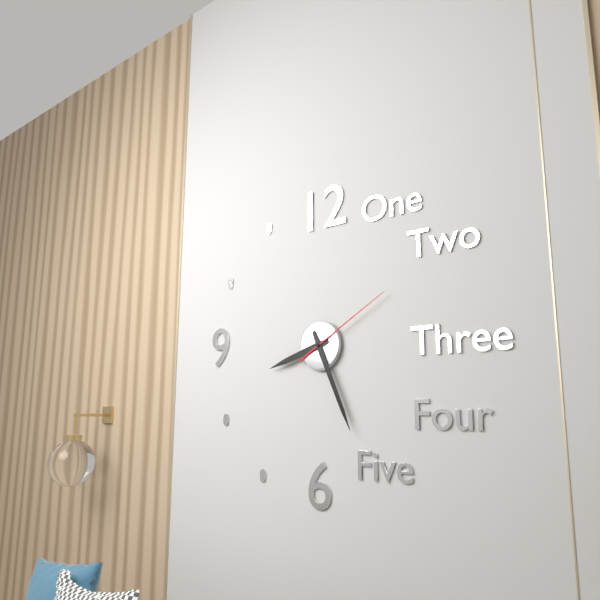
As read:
**8:26:10**
